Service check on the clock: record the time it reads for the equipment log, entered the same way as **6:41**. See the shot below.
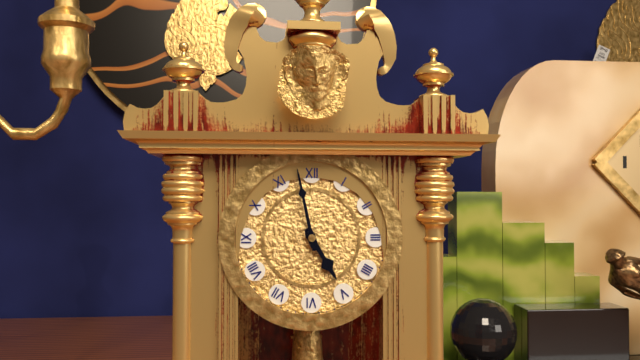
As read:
**4:58**
